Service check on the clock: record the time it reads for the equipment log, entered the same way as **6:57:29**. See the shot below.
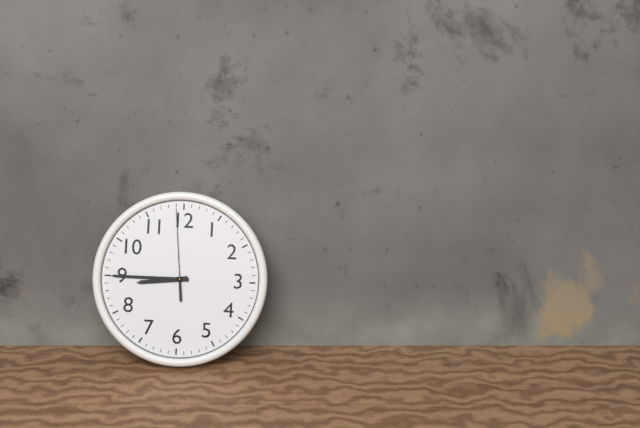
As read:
**8:45:59**
